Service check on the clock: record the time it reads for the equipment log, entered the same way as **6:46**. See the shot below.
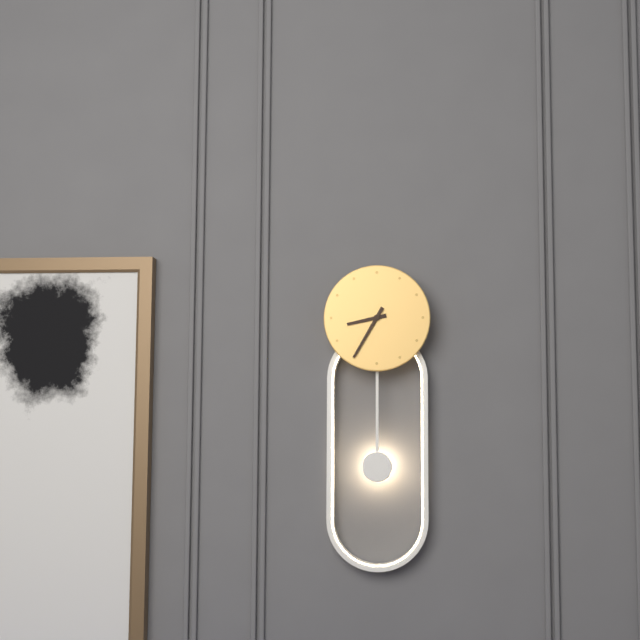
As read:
**8:35**
